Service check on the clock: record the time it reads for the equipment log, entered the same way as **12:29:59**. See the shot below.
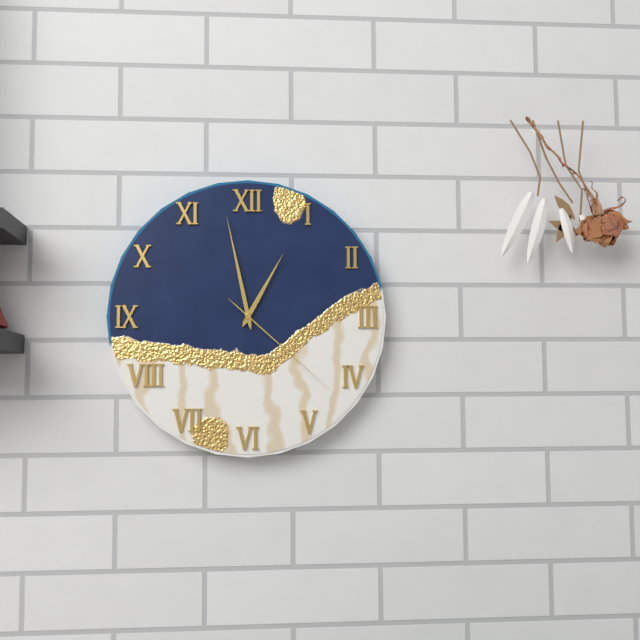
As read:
**12:58:22**
